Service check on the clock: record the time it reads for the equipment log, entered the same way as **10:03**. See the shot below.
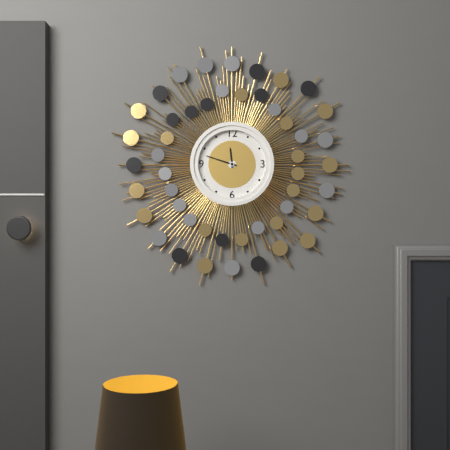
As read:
**11:48**
